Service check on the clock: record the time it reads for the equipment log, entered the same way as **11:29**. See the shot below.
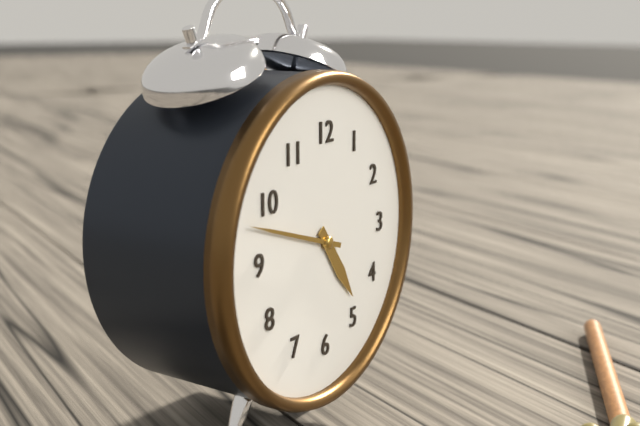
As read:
**4:48**
